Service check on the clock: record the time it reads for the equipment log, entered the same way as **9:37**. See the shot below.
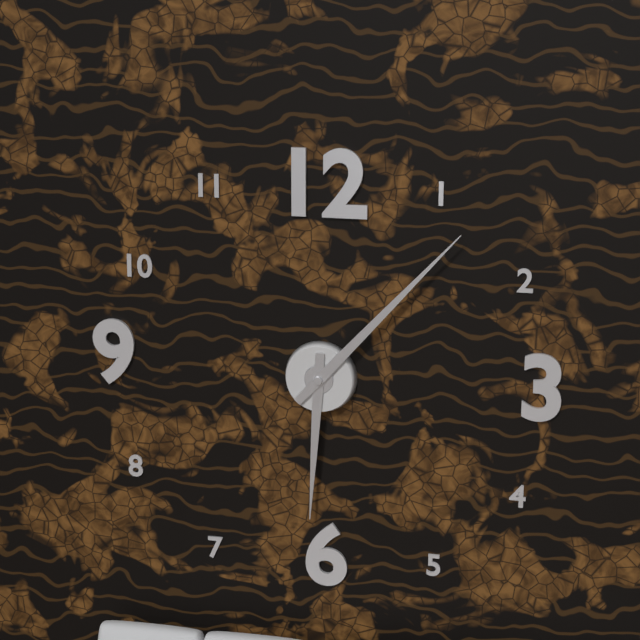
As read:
**6:07**
